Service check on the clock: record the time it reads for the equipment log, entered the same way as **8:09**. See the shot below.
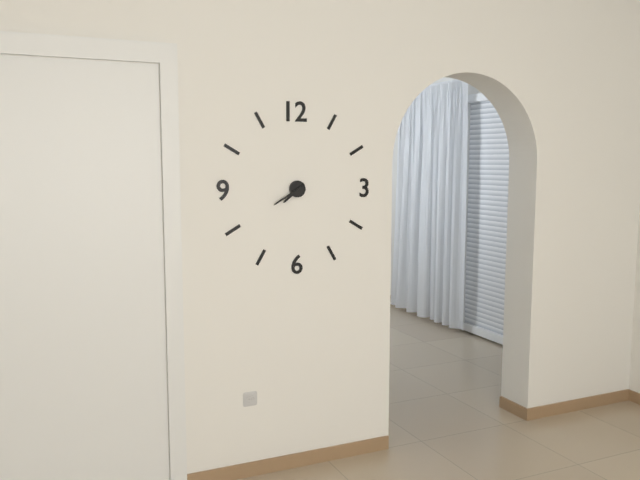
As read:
**7:40**
